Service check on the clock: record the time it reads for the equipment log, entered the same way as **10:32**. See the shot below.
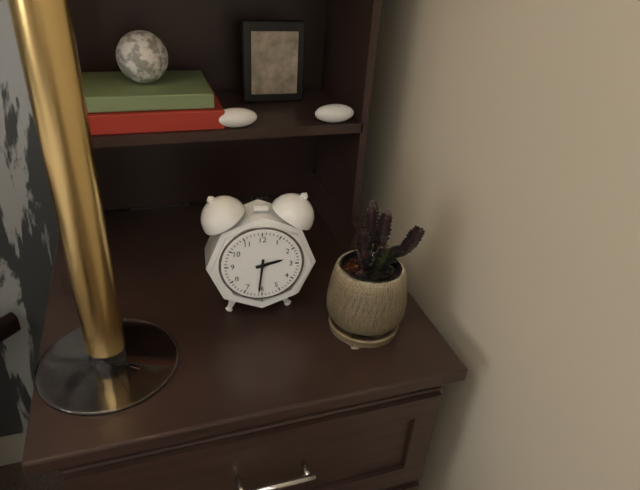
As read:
**2:31**
